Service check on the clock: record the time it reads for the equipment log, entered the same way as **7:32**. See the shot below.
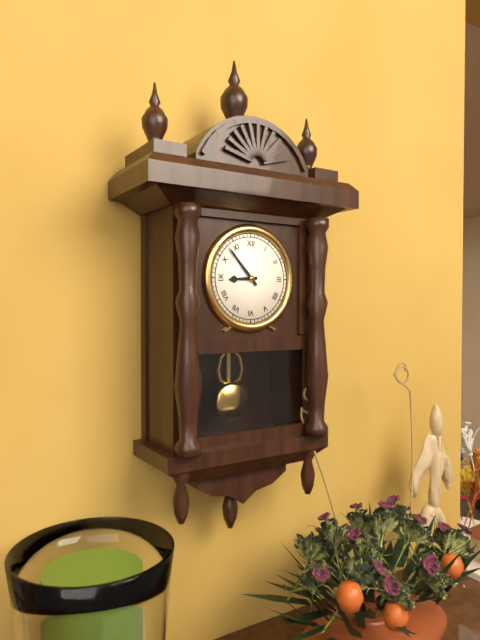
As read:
**8:53**
